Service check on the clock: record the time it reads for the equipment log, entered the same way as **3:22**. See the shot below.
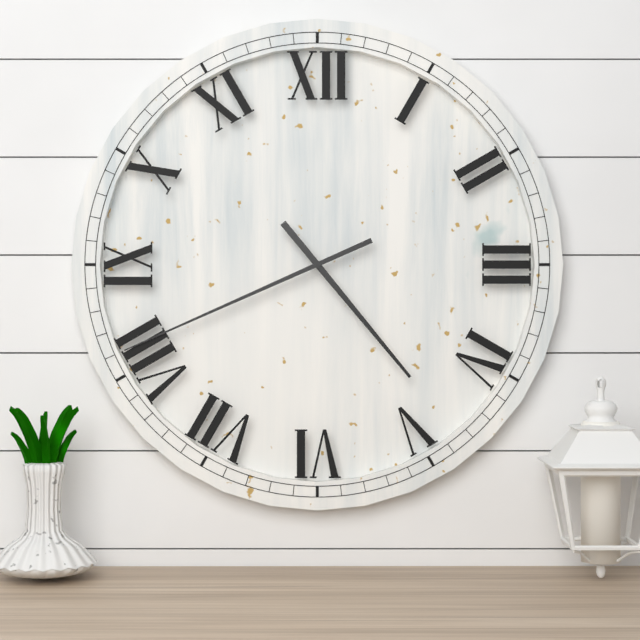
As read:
**4:41**
